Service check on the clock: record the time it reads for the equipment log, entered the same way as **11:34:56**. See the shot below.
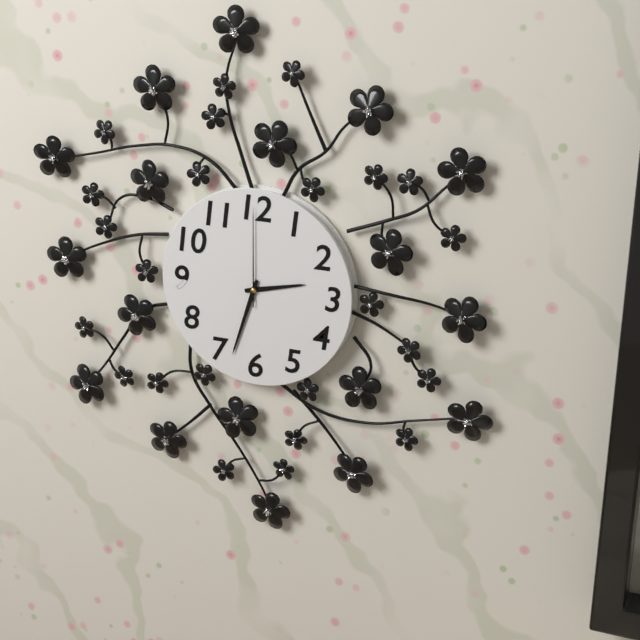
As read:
**2:33:00**
